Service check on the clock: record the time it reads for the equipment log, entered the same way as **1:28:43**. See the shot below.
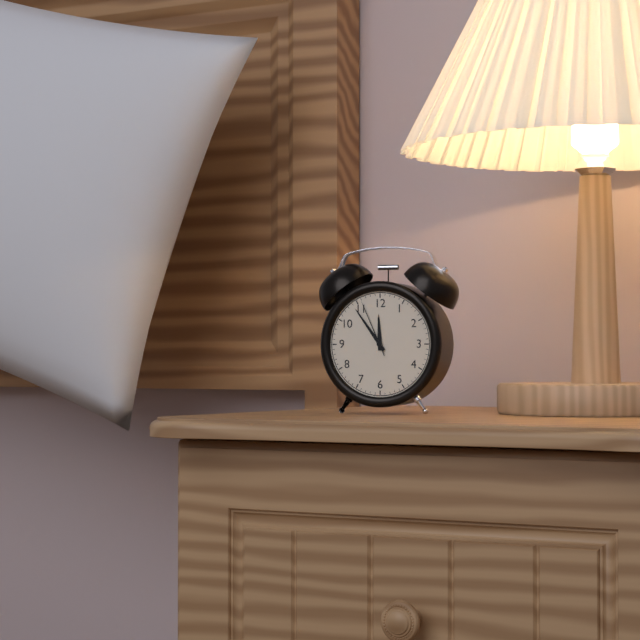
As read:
**11:54:56**
